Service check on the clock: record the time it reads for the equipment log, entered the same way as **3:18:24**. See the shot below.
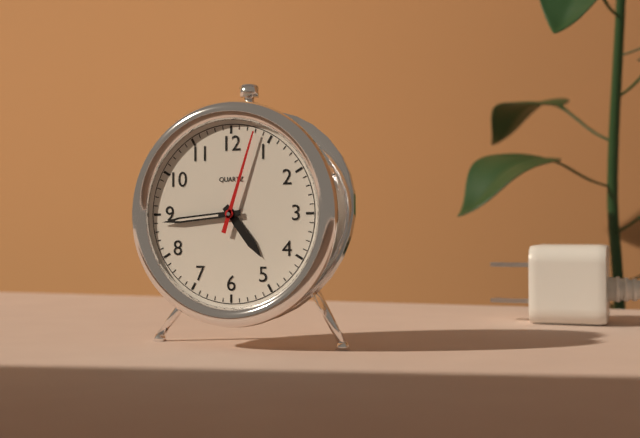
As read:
**4:44:03**
